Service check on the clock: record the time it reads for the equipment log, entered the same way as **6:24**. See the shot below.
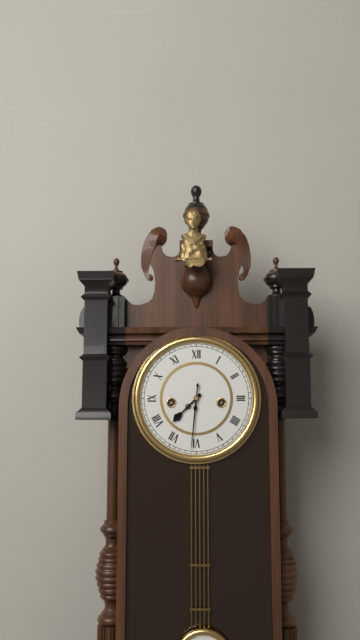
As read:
**7:31**
